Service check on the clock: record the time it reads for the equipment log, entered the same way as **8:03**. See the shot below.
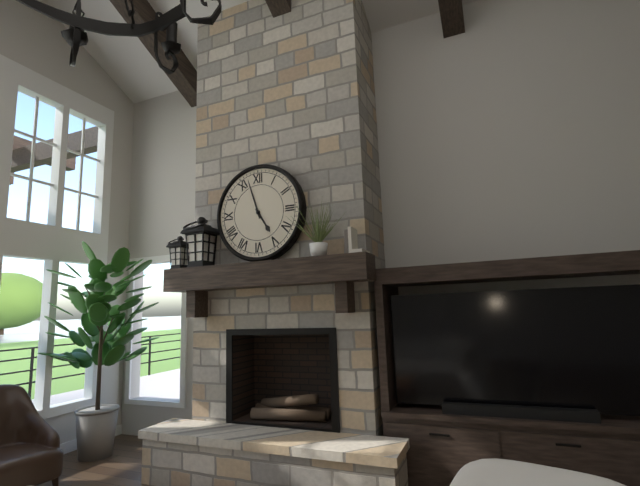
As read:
**4:57**
